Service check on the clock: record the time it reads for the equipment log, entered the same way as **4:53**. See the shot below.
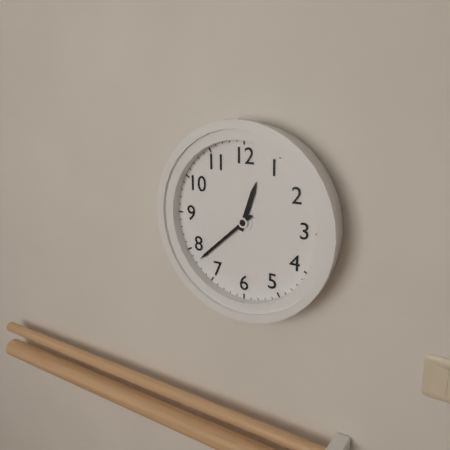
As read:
**12:38**
